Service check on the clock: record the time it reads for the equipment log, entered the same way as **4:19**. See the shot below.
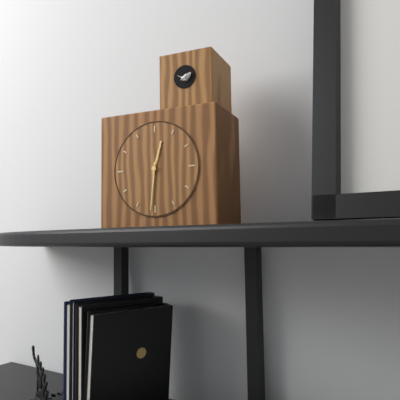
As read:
**12:31**
